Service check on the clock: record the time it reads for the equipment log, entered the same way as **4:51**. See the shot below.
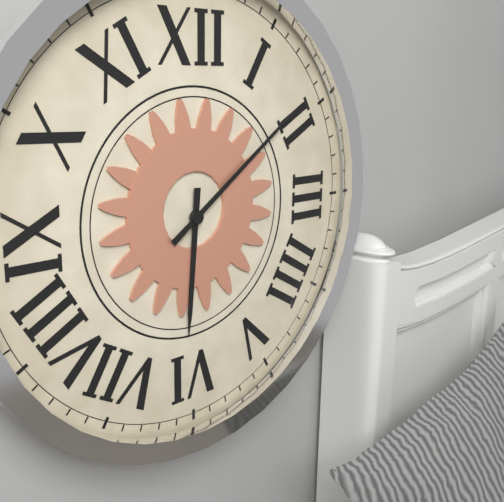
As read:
**6:09**
